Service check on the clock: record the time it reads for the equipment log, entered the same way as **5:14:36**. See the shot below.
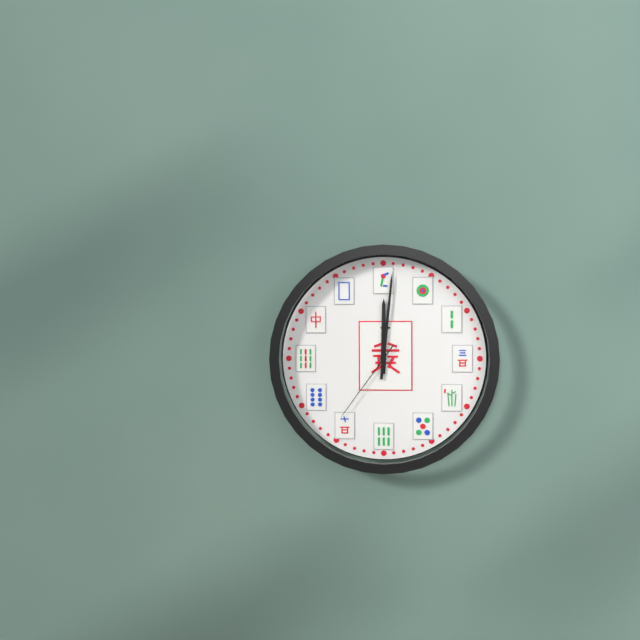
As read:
**12:01:36**
